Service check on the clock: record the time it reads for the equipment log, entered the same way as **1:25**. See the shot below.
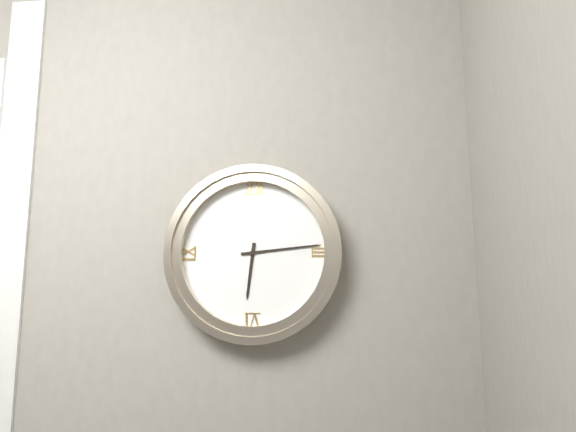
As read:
**6:14**
